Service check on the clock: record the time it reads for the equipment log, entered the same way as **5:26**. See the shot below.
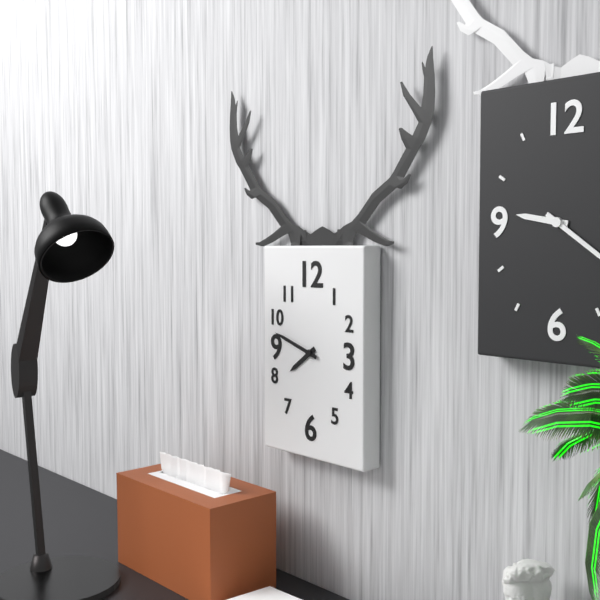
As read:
**7:48**
